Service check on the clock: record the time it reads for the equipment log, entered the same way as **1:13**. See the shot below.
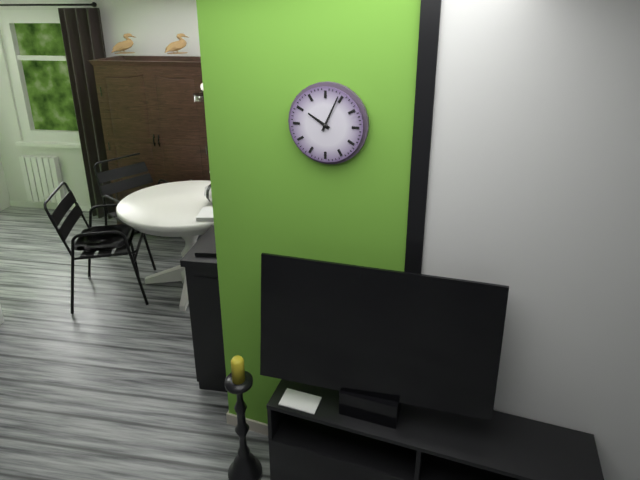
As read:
**10:04**
